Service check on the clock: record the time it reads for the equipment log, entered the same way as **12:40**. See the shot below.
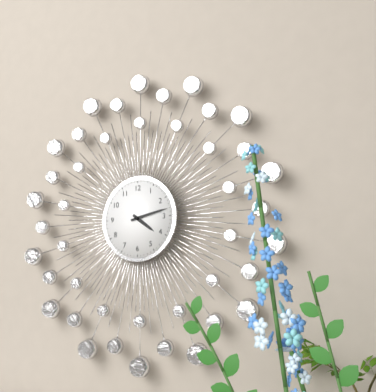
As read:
**4:13**
